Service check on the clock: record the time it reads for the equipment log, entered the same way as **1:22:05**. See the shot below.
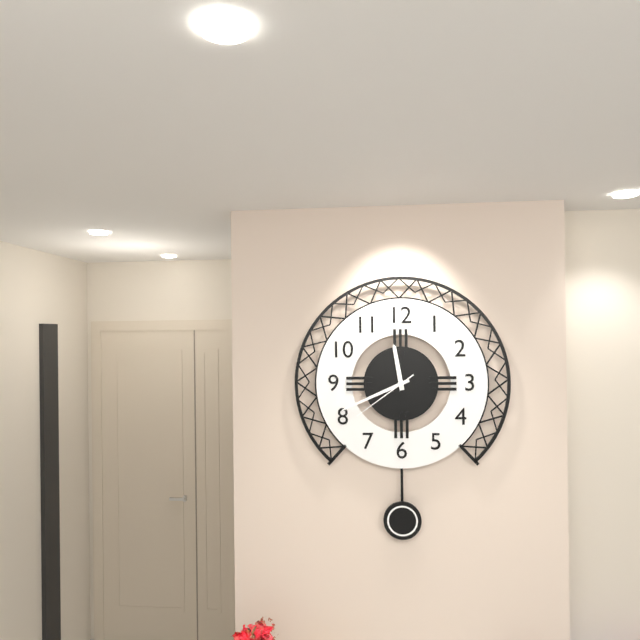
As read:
**11:41:39**
